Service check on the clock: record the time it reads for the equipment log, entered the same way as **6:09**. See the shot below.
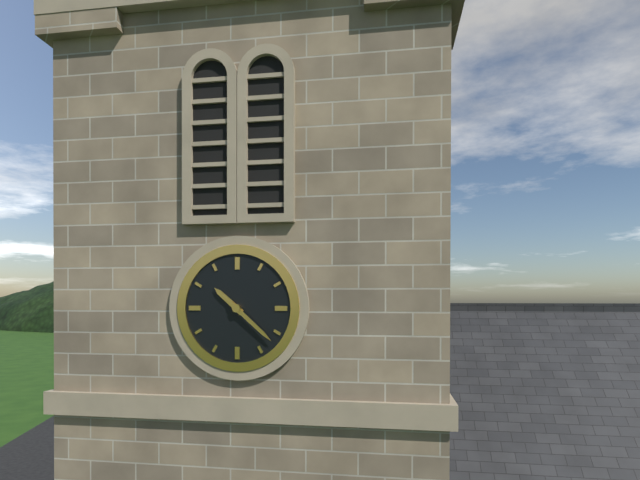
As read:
**10:22**
